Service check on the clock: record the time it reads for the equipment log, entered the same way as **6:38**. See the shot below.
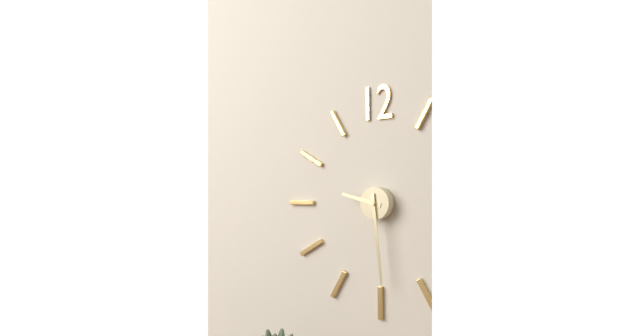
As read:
**9:29**
